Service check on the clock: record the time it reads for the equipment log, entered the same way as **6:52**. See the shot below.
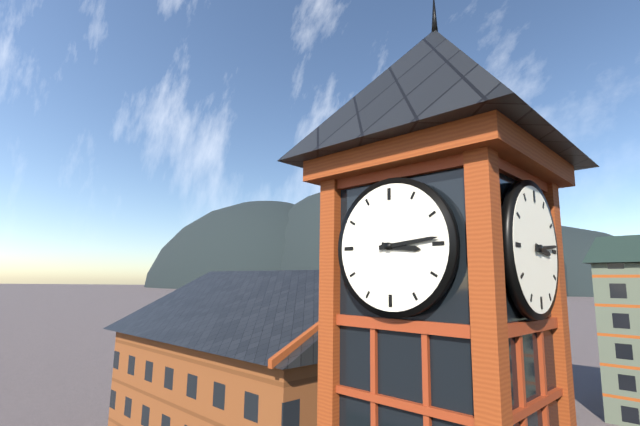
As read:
**3:14**
